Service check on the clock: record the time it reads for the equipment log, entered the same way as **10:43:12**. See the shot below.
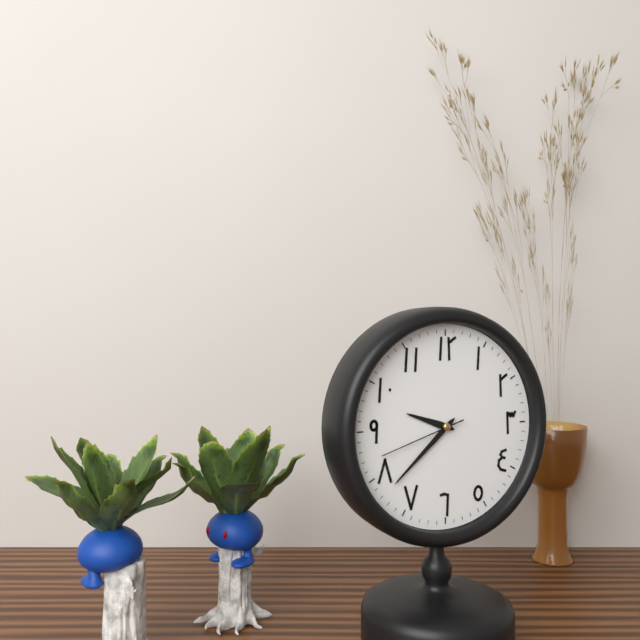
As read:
**9:38:42**
